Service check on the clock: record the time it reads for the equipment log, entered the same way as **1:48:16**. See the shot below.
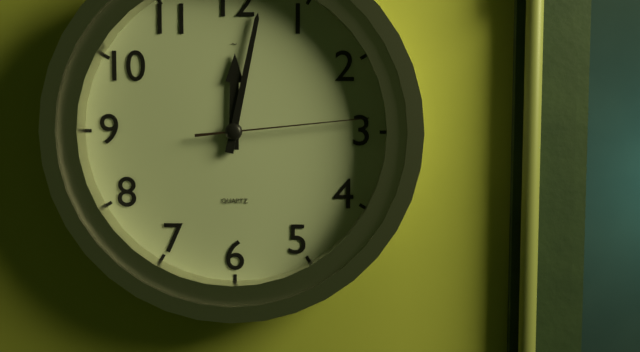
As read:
**12:02:14**
